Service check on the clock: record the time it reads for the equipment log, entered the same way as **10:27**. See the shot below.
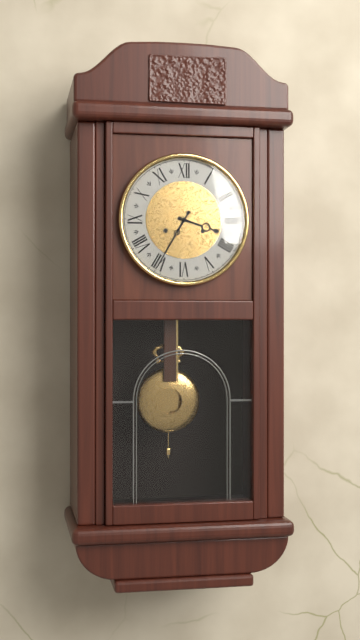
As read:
**3:35**
